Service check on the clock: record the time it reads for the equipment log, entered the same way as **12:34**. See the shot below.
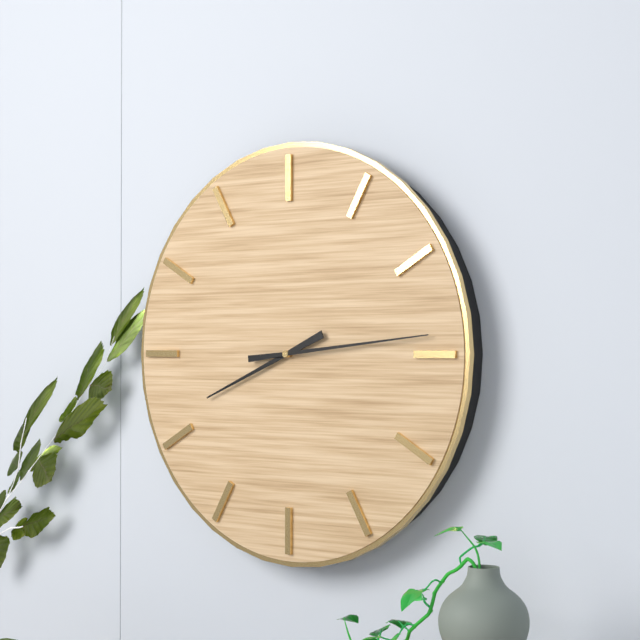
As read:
**8:14**
